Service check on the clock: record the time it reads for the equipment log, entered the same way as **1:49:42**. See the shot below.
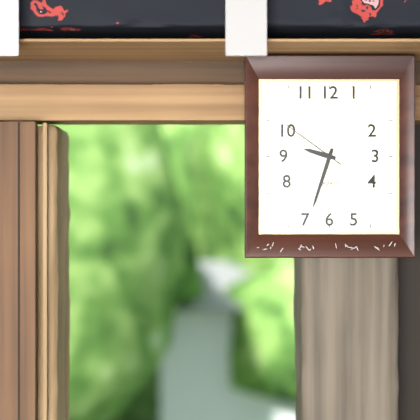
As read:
**9:33:51**
